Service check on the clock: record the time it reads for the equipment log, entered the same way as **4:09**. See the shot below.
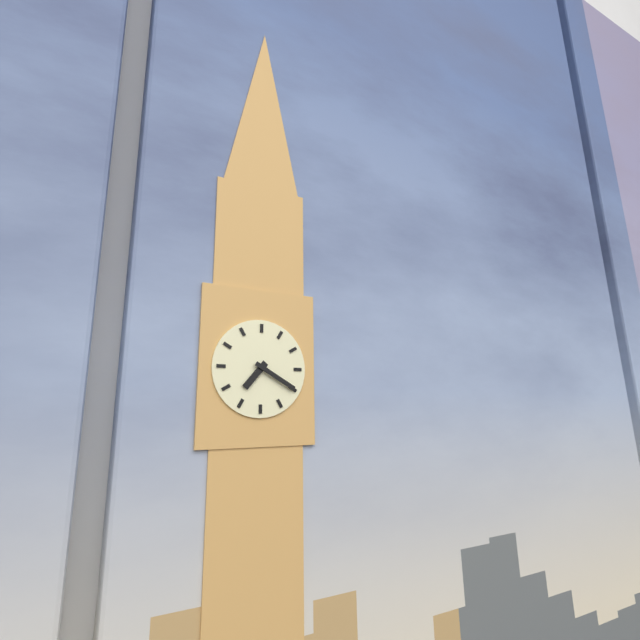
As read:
**7:20**
